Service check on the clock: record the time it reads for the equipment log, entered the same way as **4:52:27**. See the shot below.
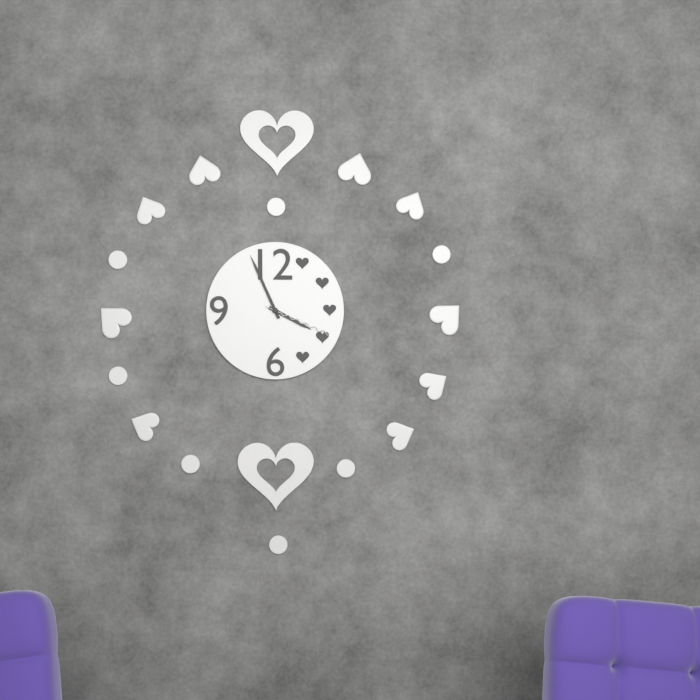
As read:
**3:56:19**
